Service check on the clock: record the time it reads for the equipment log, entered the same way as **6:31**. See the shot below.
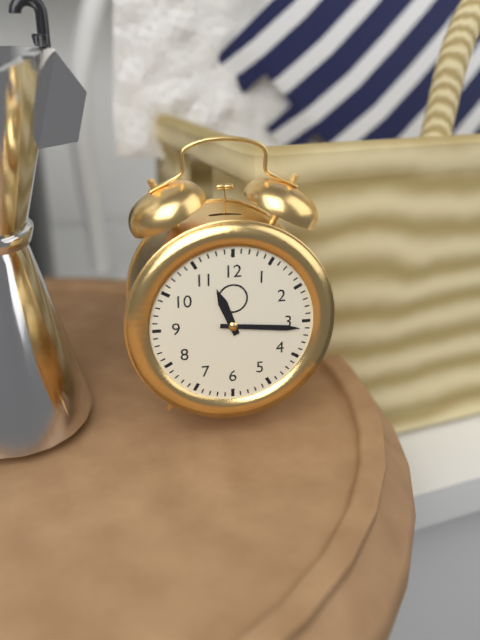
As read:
**11:16**
